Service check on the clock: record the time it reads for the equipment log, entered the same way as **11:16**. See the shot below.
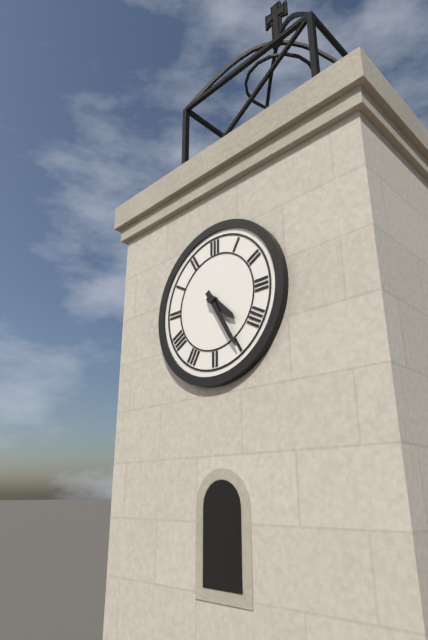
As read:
**4:25**
